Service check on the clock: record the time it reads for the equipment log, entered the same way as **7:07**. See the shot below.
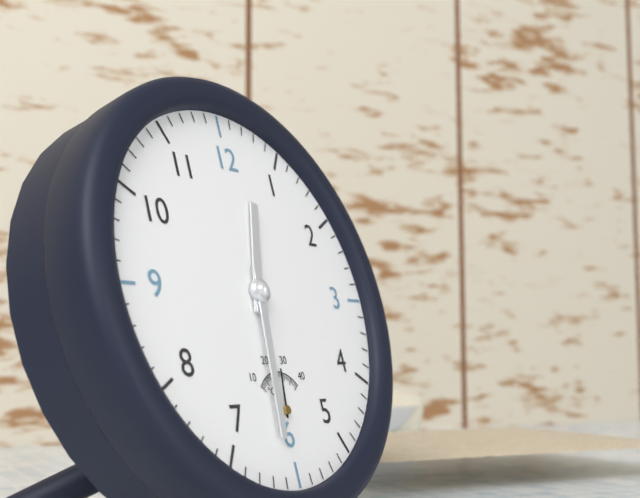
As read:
**12:31**
